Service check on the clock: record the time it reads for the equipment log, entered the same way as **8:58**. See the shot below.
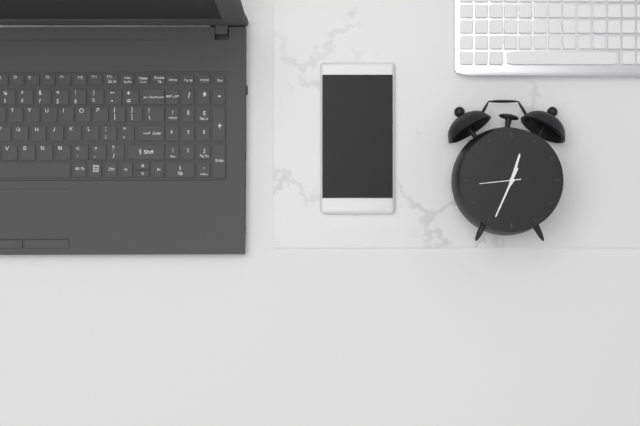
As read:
**12:34**
